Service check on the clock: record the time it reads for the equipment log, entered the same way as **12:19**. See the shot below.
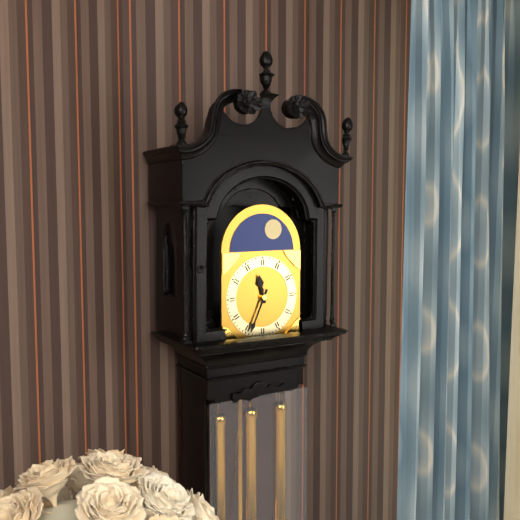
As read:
**11:34**
